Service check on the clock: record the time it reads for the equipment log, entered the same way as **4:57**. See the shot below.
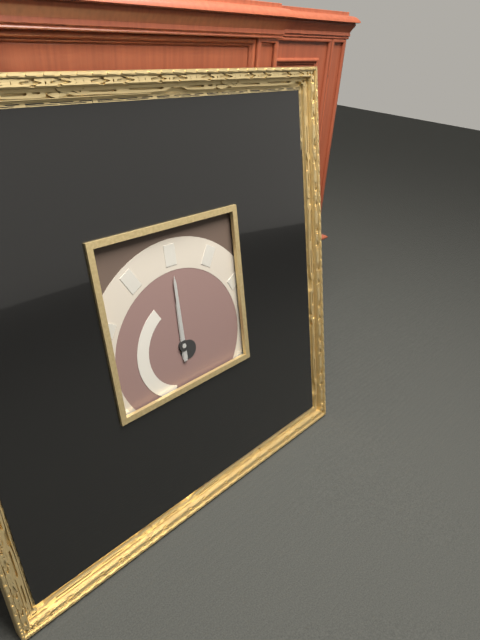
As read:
**12:00**
